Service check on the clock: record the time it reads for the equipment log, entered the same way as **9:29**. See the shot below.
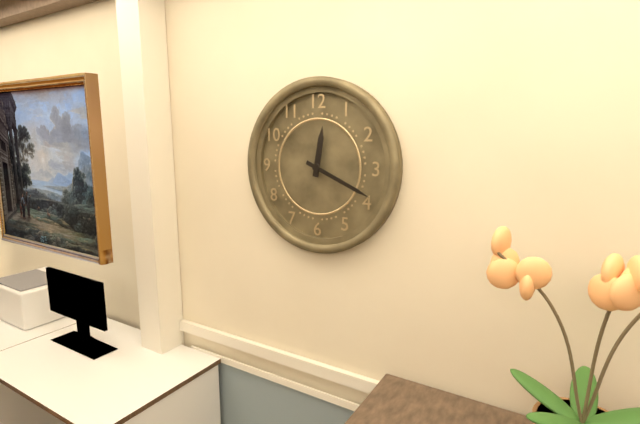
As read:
**12:19**
